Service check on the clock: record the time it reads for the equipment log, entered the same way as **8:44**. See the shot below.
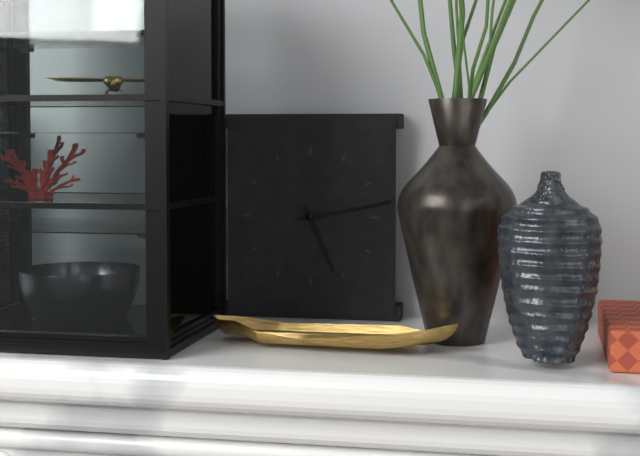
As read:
**5:13**
